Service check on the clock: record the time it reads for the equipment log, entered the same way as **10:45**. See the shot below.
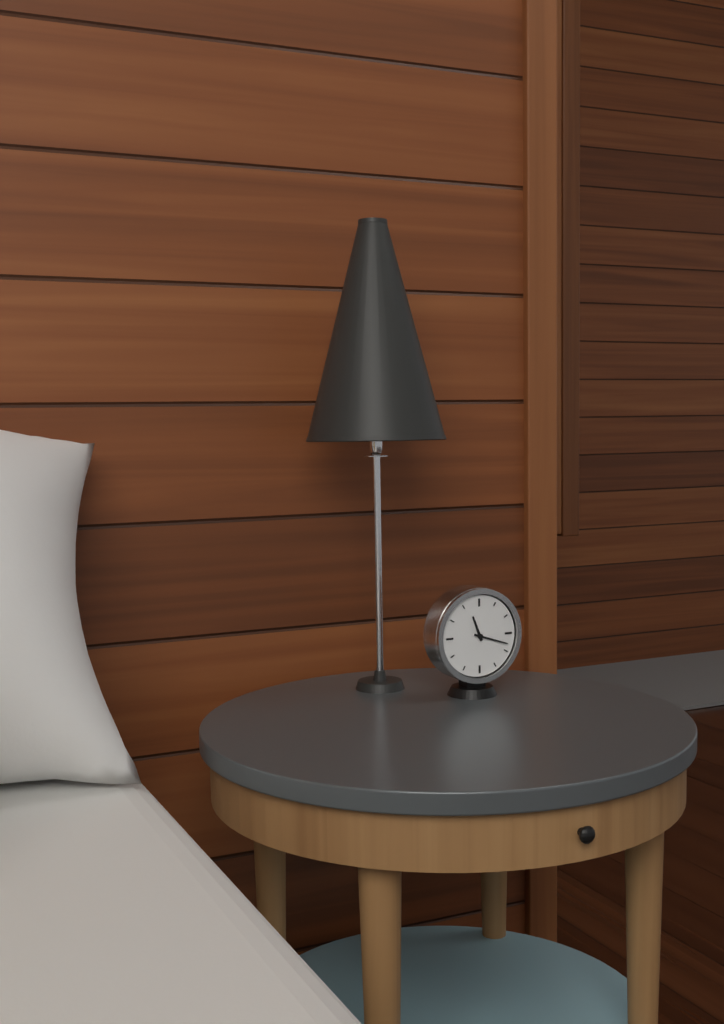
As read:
**11:18**
